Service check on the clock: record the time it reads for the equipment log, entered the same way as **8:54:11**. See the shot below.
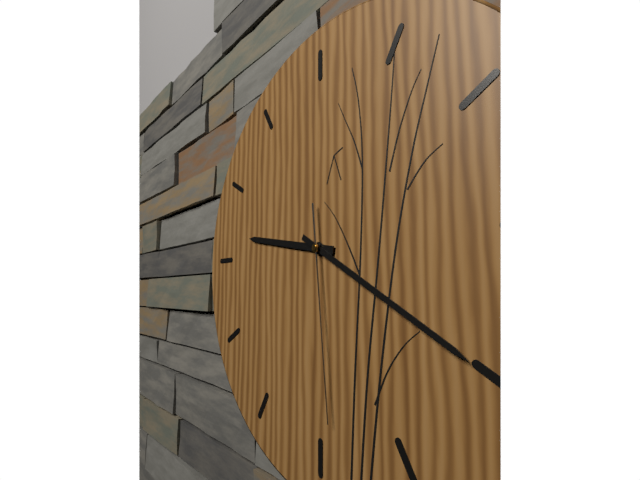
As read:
**9:20:29**
